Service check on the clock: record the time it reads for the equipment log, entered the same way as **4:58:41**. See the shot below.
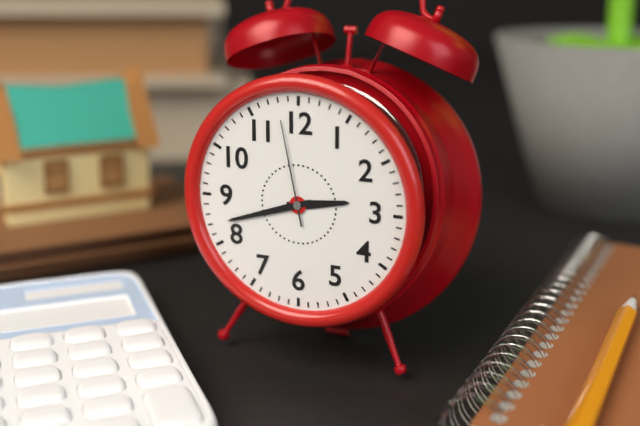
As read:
**2:42:58**
